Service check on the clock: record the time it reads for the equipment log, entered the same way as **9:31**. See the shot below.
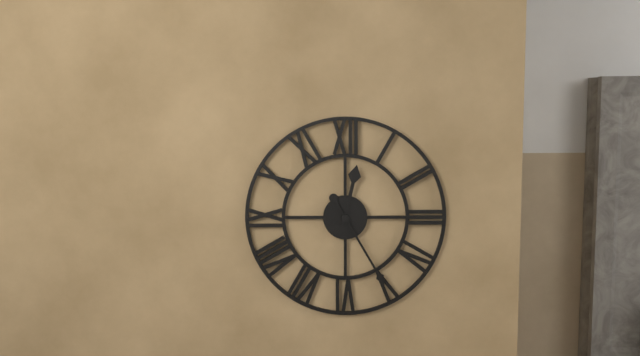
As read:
**12:25**
